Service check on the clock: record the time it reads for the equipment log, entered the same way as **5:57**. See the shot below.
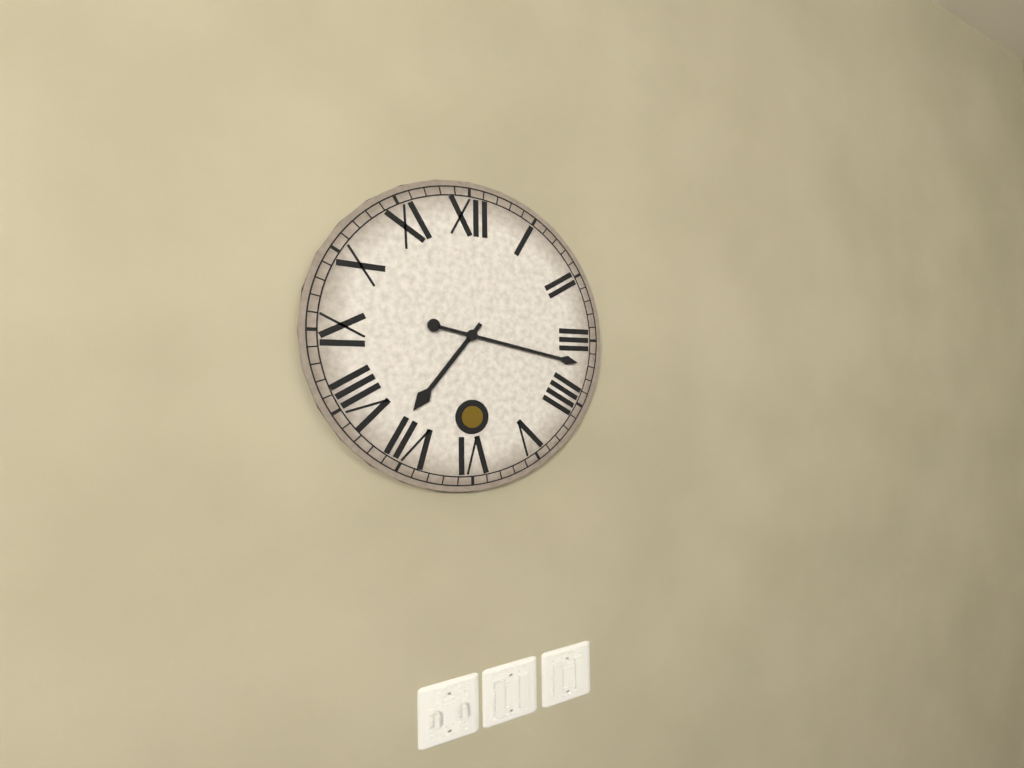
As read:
**7:17**
